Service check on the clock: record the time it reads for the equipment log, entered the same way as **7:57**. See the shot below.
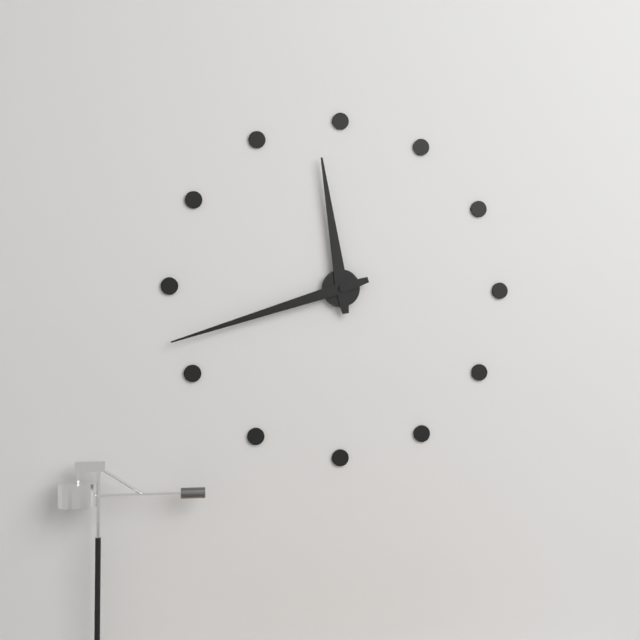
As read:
**11:42**
